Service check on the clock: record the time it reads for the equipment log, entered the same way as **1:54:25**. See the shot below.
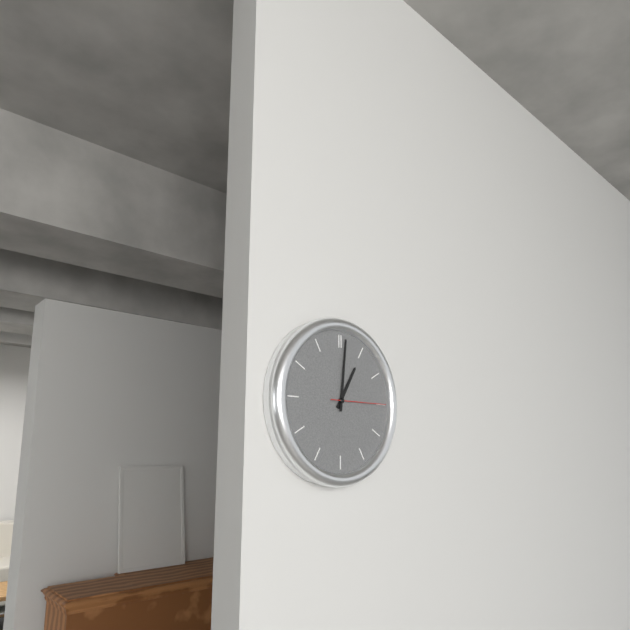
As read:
**1:01:15**
